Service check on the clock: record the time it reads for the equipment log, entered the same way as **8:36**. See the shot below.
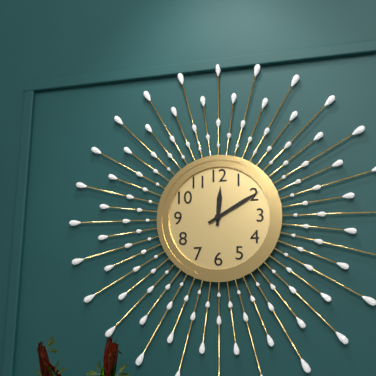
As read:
**12:10**
